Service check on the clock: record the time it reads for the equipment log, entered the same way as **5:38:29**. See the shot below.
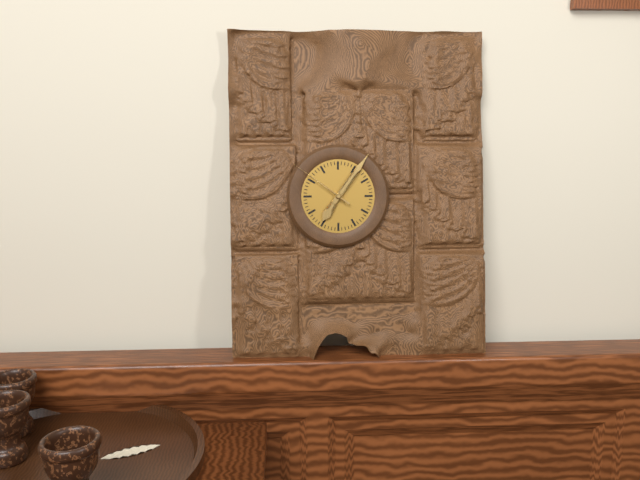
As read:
**7:06:51**
